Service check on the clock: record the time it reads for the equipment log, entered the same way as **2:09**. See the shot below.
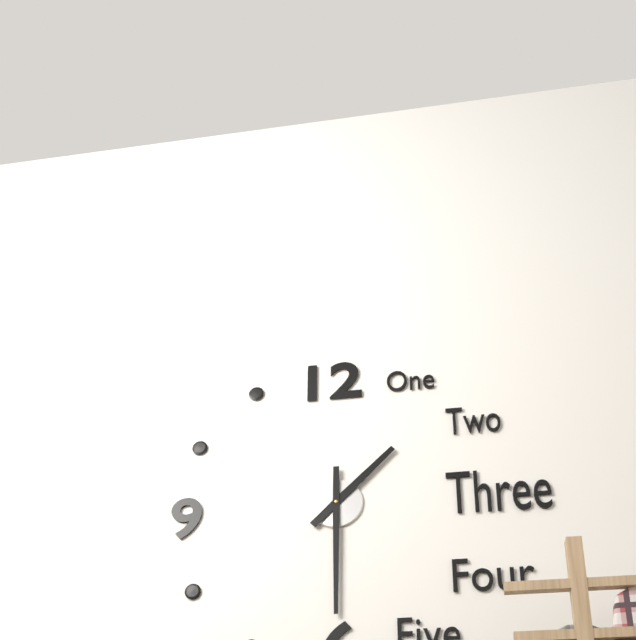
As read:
**1:30**
